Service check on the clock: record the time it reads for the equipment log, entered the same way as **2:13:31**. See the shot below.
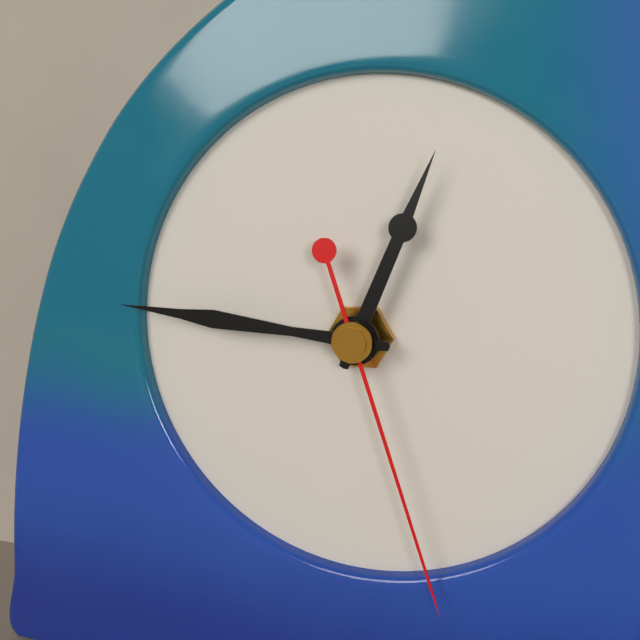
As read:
**12:46:27**
